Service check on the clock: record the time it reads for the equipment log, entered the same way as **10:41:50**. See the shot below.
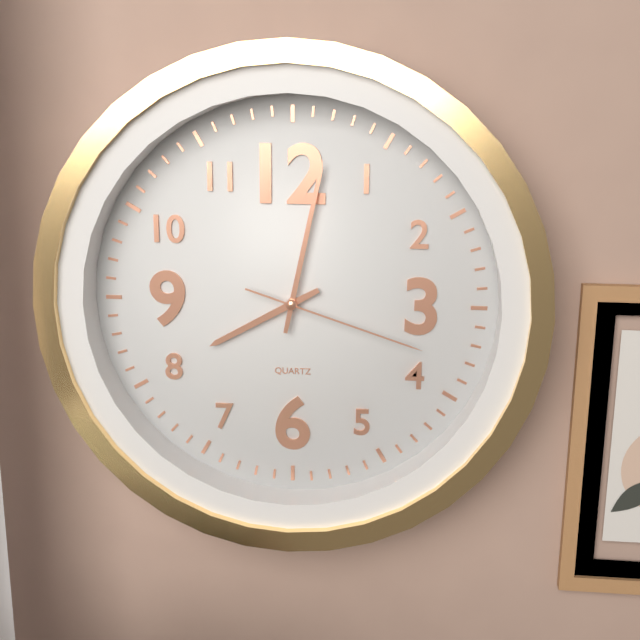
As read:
**8:02:18**
